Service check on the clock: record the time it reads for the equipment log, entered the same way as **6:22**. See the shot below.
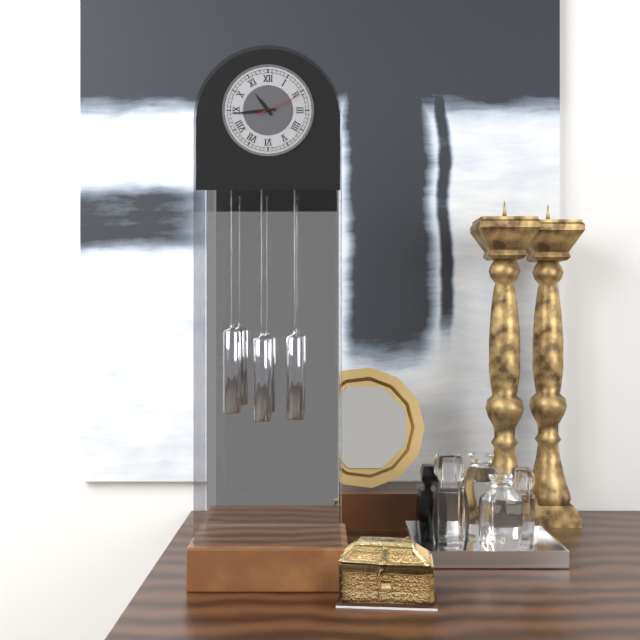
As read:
**10:44**
